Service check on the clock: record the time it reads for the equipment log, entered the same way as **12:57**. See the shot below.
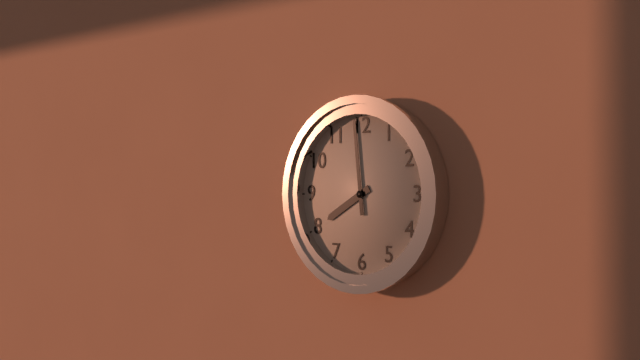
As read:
**7:59**
